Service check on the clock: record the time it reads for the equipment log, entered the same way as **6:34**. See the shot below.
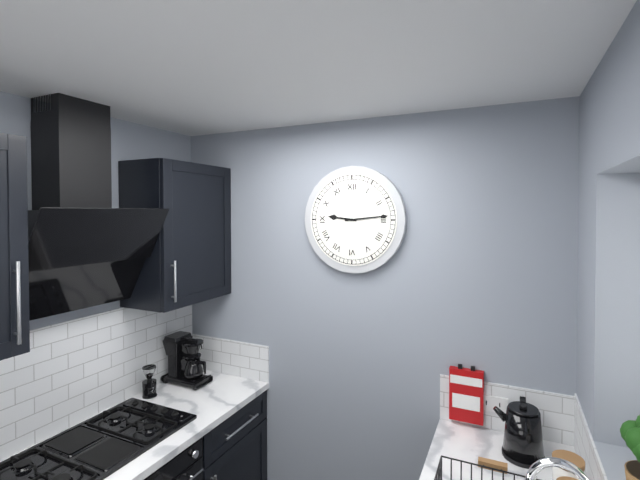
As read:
**9:14**
